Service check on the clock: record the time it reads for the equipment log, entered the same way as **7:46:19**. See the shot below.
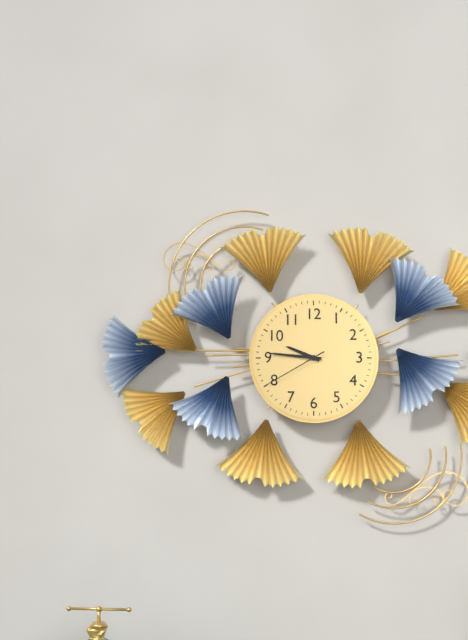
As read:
**9:46:40**
